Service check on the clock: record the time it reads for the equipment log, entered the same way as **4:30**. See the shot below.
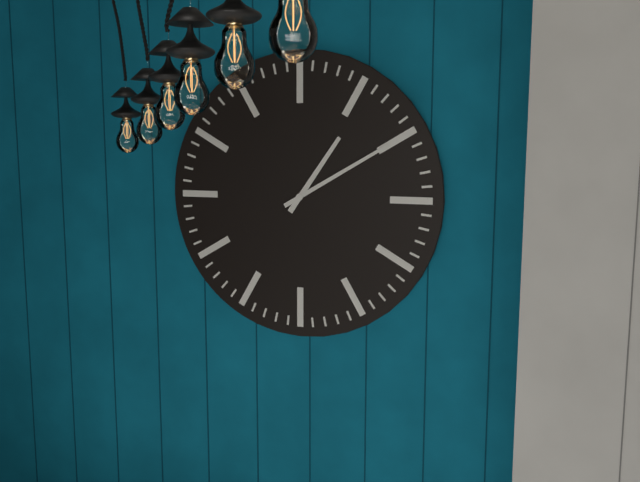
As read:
**1:10**
